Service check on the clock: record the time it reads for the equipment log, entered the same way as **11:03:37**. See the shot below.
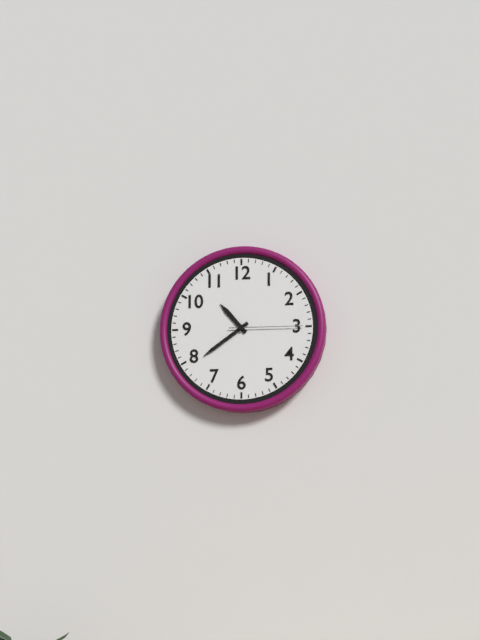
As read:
**10:39:15**
